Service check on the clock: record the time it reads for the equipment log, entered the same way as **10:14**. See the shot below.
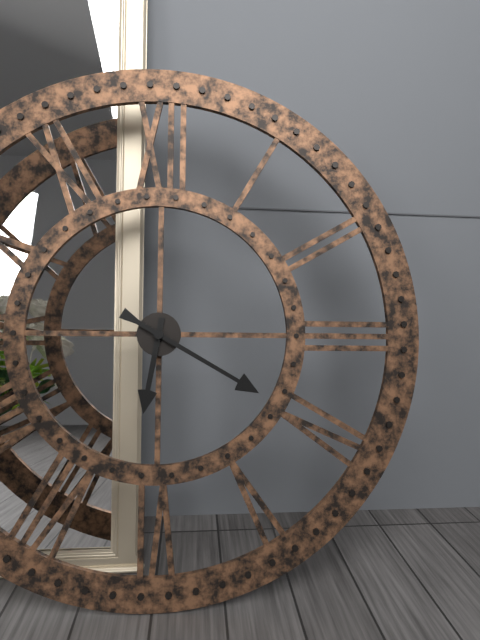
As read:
**6:20**
